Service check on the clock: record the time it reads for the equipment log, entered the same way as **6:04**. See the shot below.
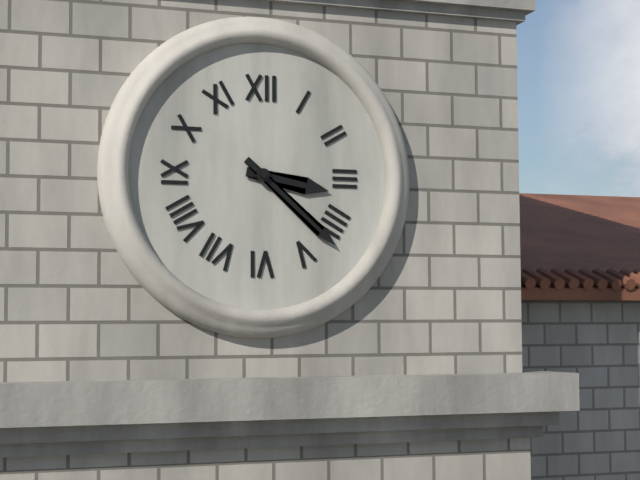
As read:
**3:22**
